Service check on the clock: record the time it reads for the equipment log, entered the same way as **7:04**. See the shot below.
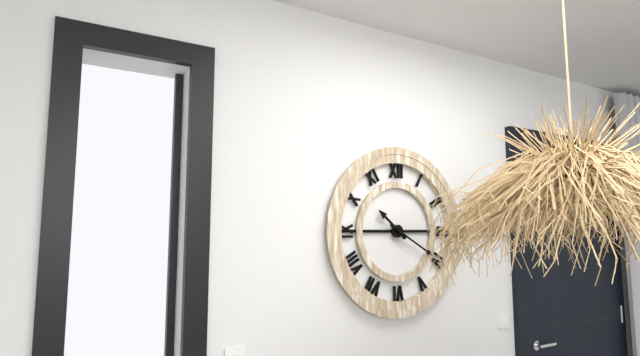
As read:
**10:20**
